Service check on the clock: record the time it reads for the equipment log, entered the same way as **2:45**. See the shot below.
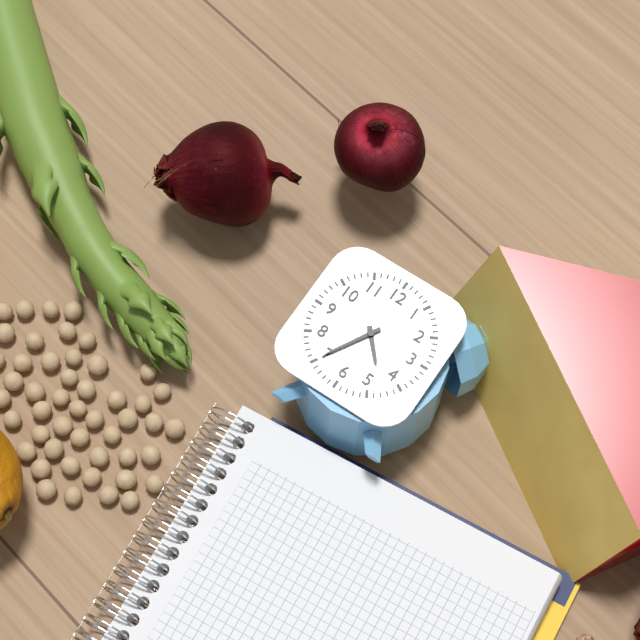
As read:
**4:35**
